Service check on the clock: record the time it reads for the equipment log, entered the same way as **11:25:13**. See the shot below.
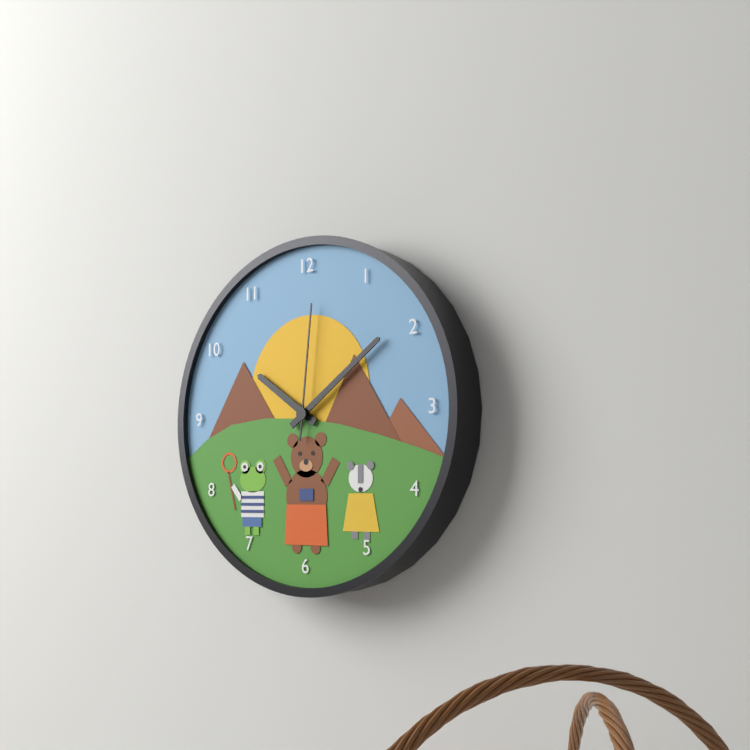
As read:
**10:09:01**
